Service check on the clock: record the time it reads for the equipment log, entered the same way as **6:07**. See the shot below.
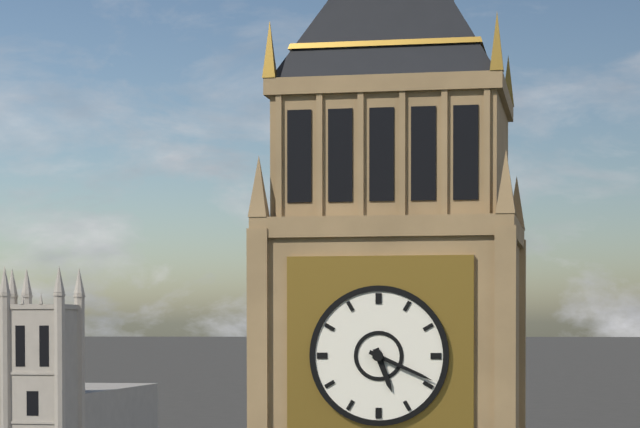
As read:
**5:19**
